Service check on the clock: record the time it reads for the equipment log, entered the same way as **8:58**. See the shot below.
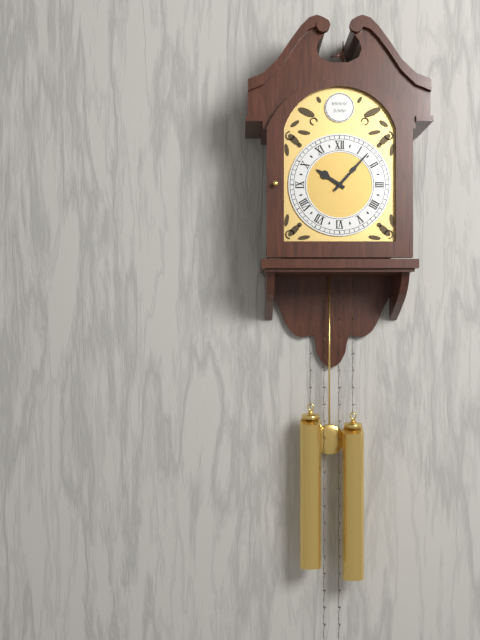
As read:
**10:07**
